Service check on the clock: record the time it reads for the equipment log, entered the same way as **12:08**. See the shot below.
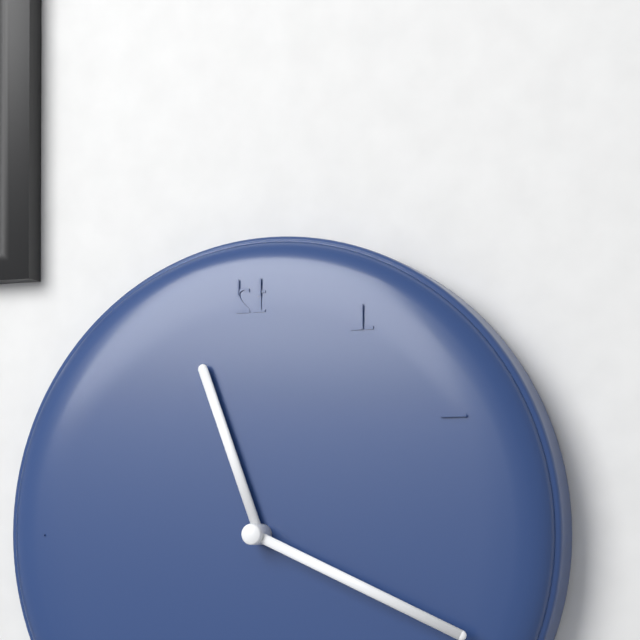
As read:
**11:19**
